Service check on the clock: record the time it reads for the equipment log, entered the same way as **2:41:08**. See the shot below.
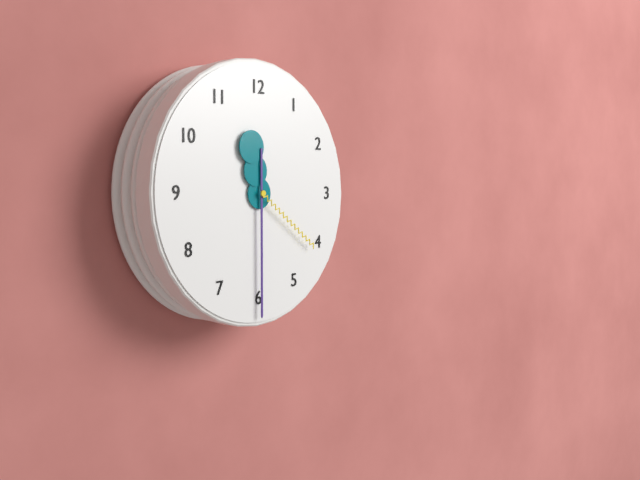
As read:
**11:30:21**
